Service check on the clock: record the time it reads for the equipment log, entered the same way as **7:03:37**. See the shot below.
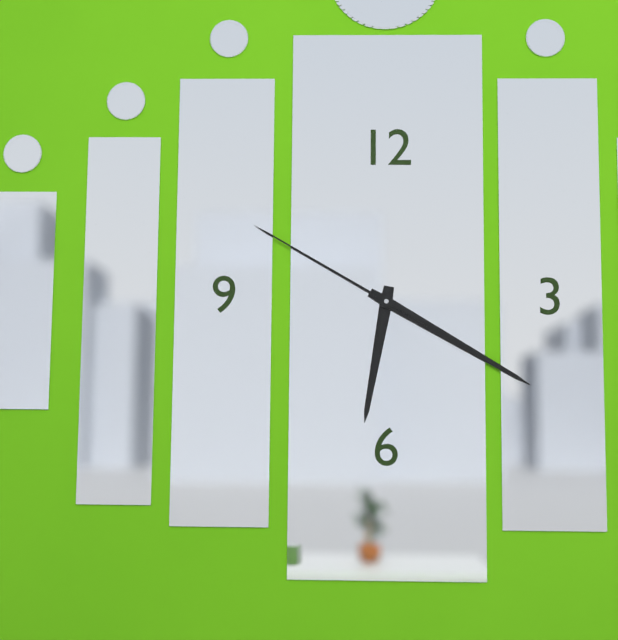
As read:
**6:20:50**
